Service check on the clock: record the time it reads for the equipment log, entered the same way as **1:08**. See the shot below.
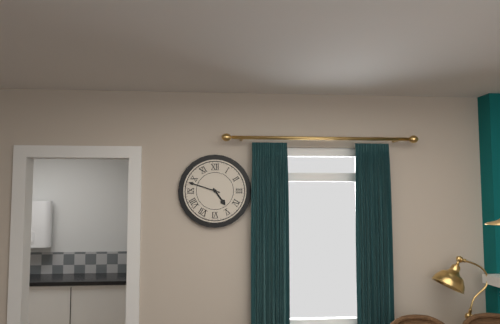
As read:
**4:48**
